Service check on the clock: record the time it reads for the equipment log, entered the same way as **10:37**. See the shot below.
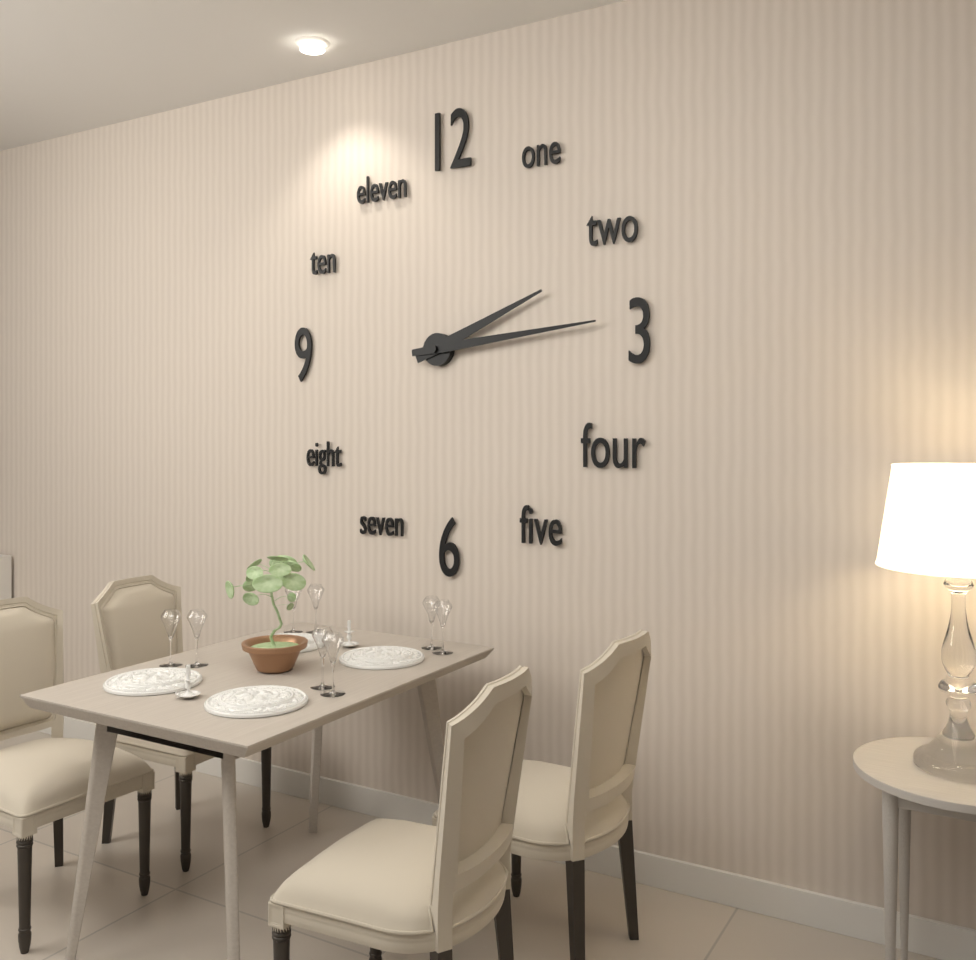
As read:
**2:14**
